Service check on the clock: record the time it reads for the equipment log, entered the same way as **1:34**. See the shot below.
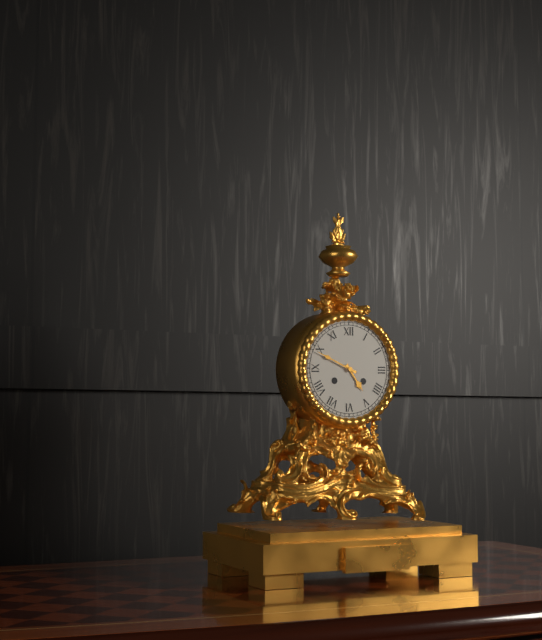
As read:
**4:49**
